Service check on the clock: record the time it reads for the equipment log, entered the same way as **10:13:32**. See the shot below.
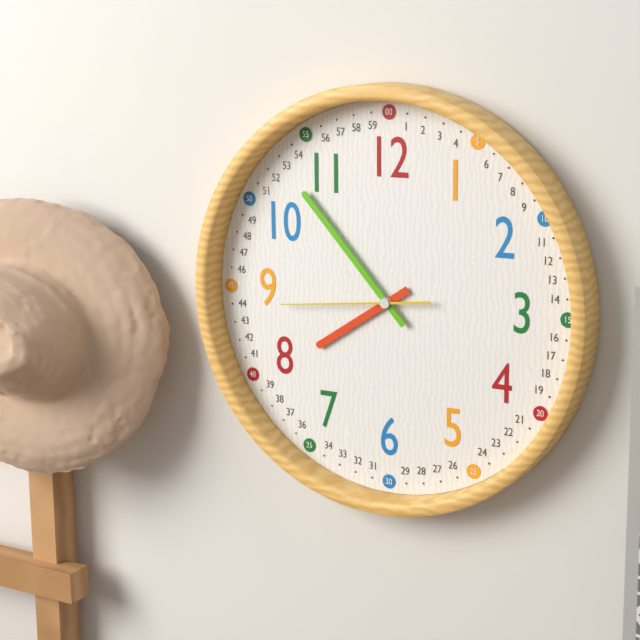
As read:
**7:53:44**
